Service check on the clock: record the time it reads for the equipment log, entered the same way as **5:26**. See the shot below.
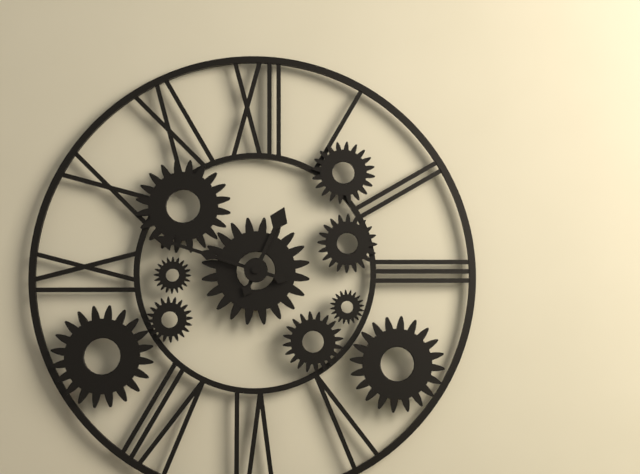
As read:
**12:48**
